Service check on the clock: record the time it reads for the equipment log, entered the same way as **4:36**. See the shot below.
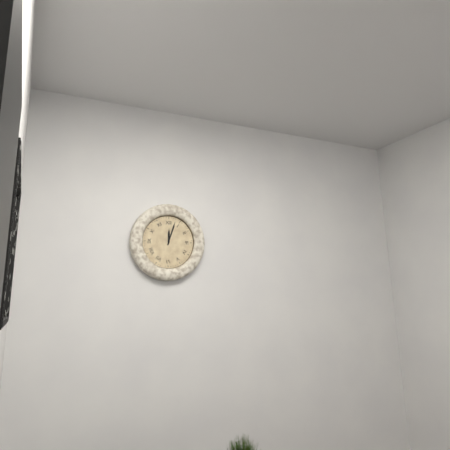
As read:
**12:03**
